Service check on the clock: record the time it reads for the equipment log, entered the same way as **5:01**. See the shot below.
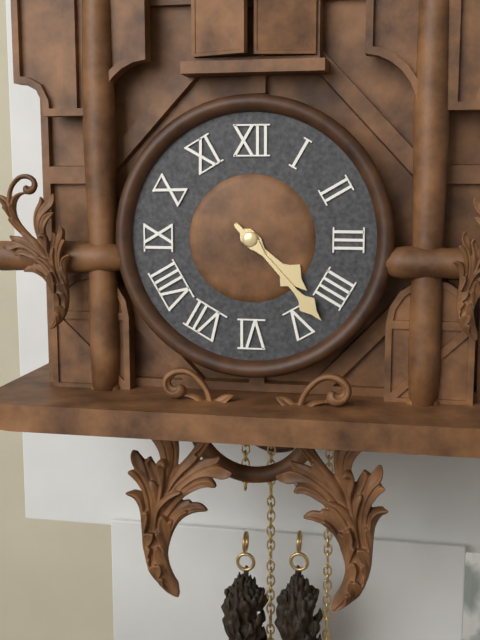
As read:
**4:23**
